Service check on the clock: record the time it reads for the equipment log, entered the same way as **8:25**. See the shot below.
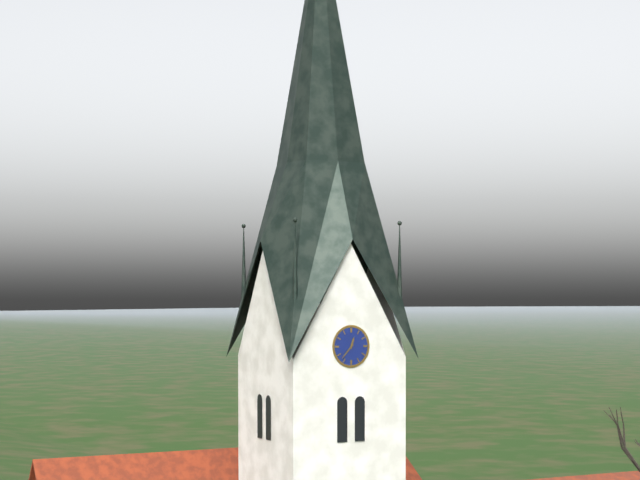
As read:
**12:37**
